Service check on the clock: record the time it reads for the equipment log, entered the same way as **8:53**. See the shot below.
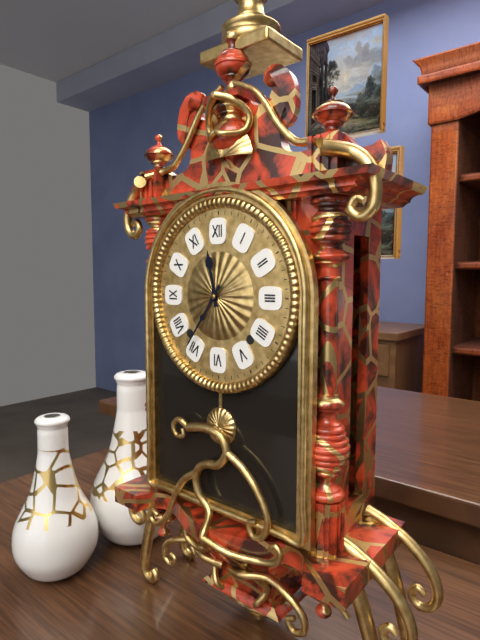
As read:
**11:36**
